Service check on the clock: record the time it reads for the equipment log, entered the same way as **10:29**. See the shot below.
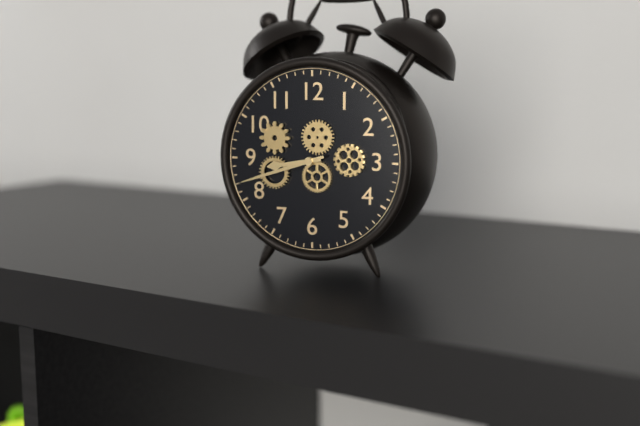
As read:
**8:42**
